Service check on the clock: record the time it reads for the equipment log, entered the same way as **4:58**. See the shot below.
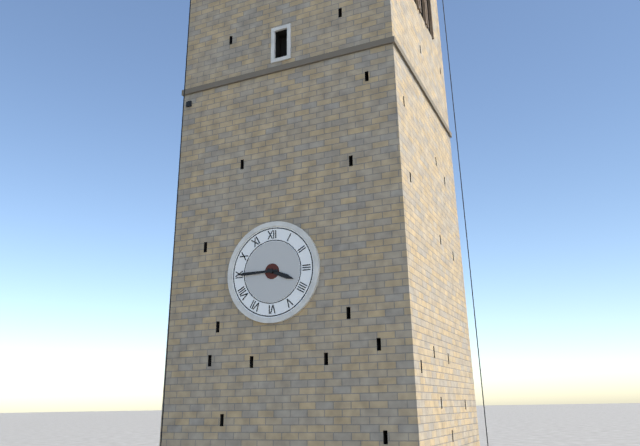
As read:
**3:45**
